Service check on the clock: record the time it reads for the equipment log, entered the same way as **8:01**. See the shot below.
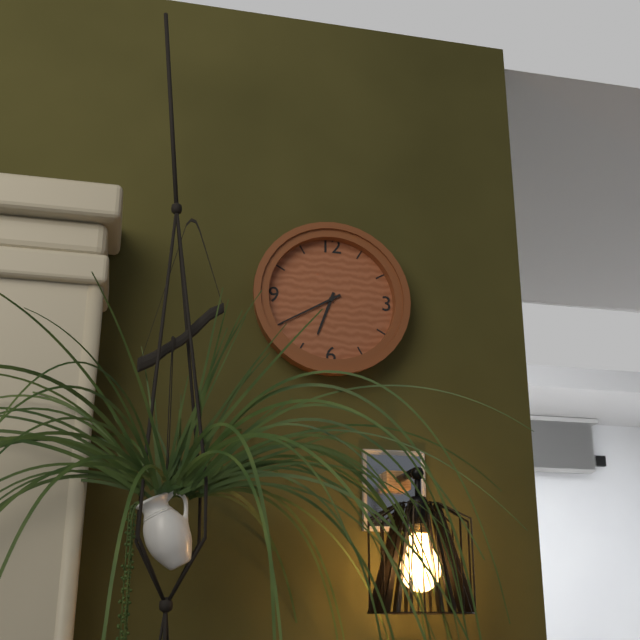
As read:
**6:40**
